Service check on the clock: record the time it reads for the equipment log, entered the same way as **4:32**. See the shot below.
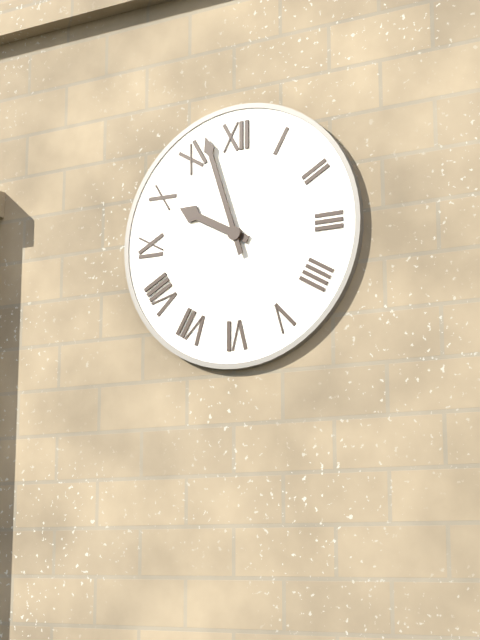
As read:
**9:57**
